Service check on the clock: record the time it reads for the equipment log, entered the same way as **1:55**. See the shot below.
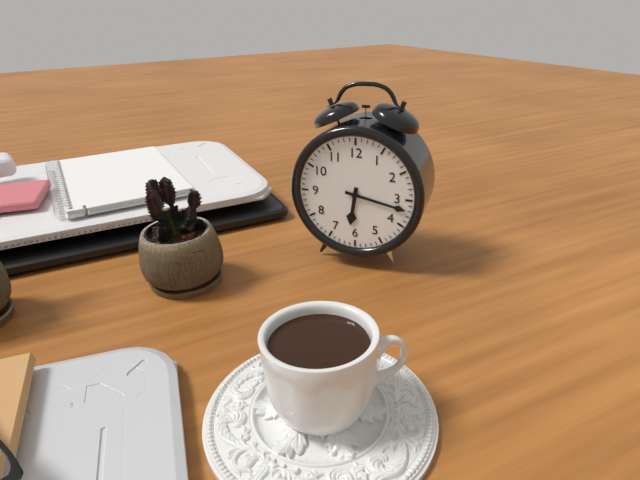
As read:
**6:17**
